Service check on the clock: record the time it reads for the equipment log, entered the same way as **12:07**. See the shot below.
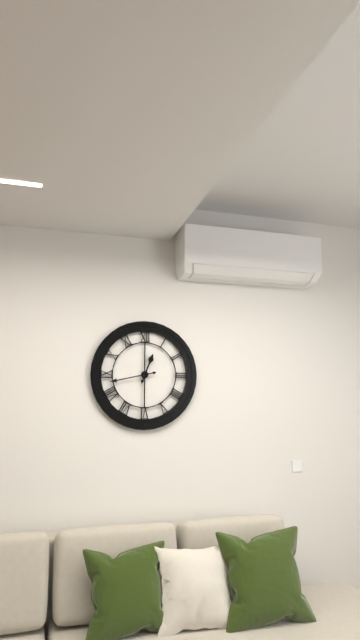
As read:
**12:43**
